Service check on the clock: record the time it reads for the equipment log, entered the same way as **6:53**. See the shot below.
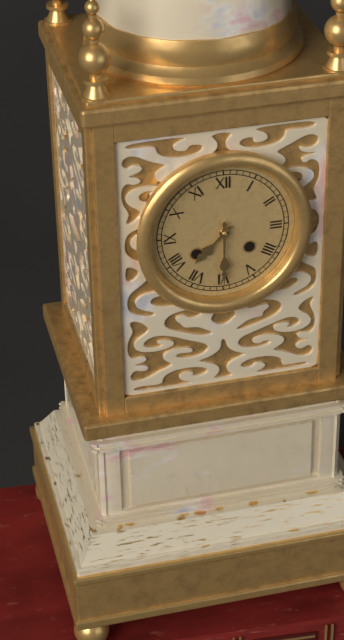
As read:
**7:30**
